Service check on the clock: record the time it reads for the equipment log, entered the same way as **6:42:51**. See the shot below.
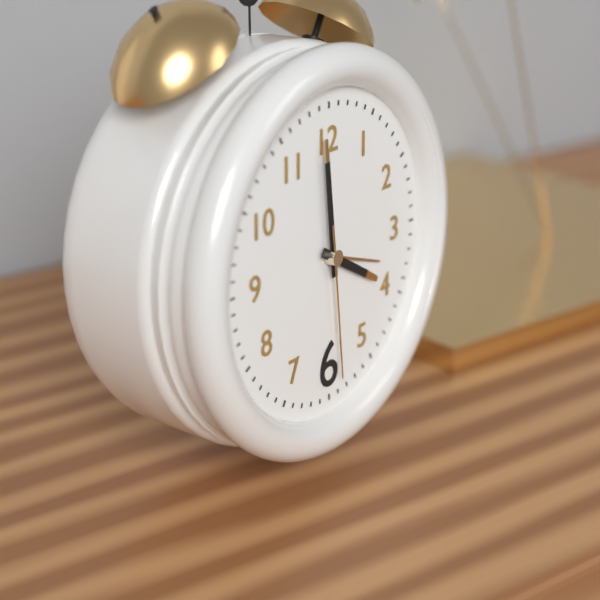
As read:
**3:59:29**
